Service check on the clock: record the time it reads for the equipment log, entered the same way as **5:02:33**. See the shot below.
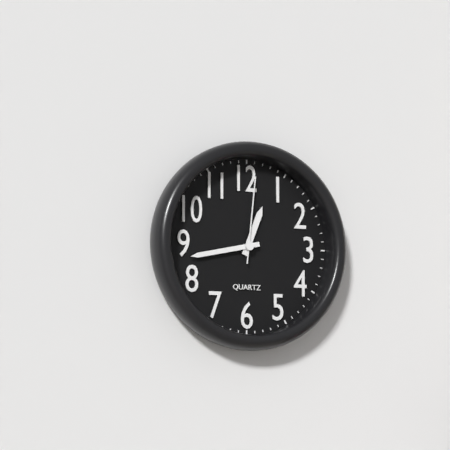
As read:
**12:43:01**
